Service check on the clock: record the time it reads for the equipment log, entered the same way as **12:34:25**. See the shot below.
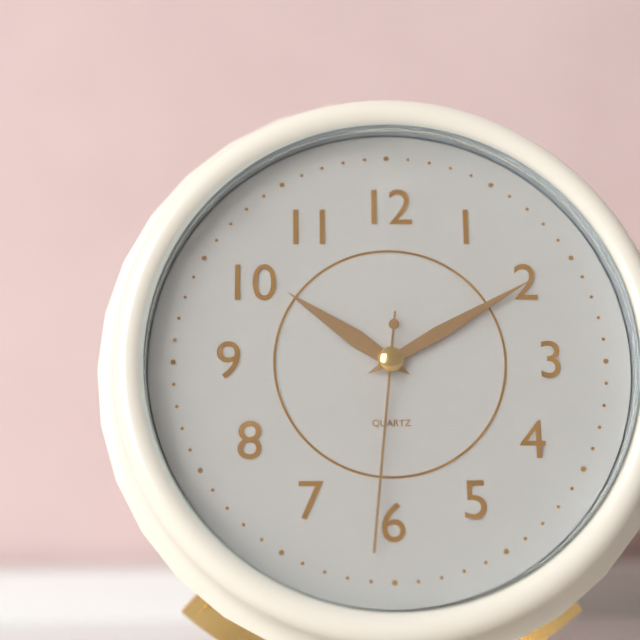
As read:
**10:10:31**
